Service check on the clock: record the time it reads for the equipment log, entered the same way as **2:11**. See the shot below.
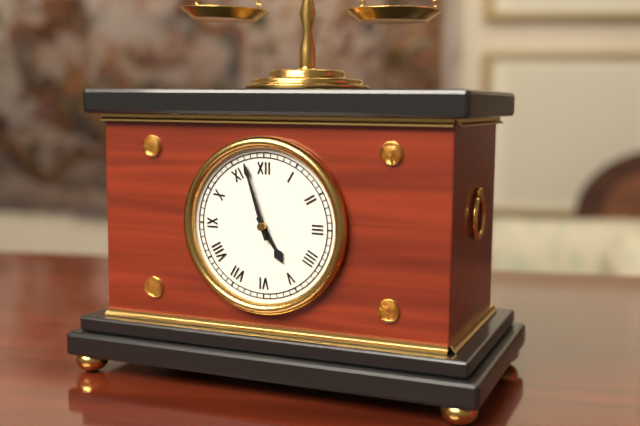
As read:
**4:57**
